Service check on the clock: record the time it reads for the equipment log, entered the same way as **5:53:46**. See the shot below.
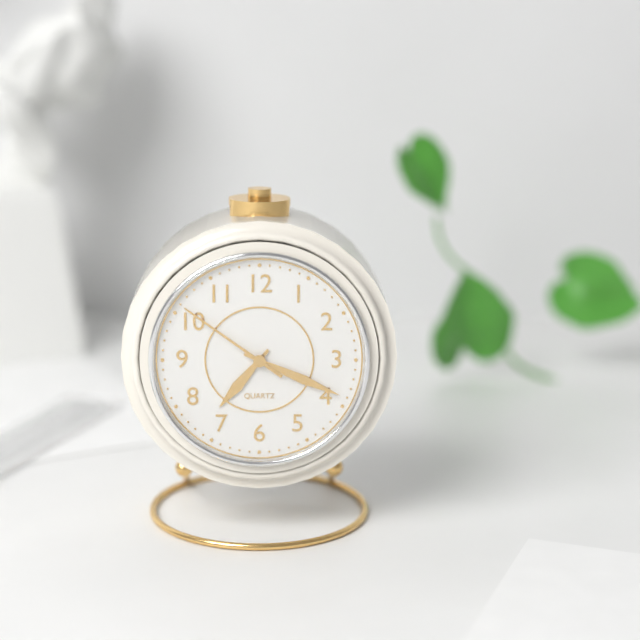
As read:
**7:19:51**
